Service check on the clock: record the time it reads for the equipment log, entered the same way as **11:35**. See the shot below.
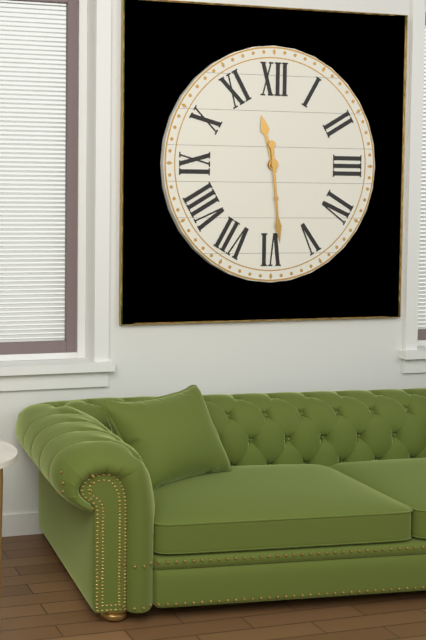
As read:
**11:29**
